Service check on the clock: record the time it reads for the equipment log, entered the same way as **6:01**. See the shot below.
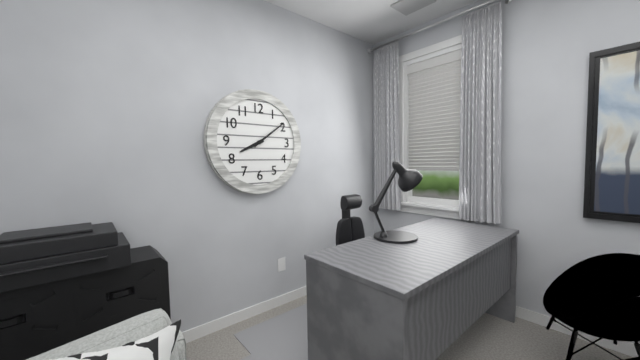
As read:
**8:09**
